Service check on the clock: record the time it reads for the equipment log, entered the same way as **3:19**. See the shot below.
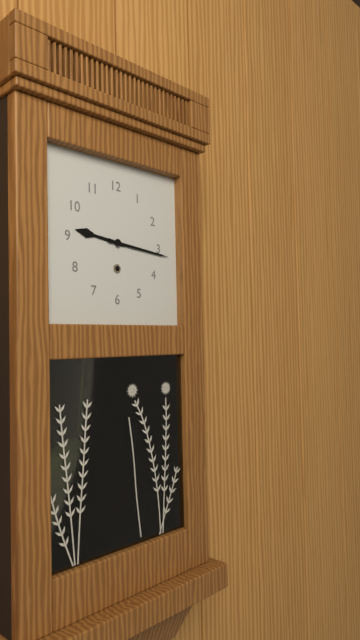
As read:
**9:16**
